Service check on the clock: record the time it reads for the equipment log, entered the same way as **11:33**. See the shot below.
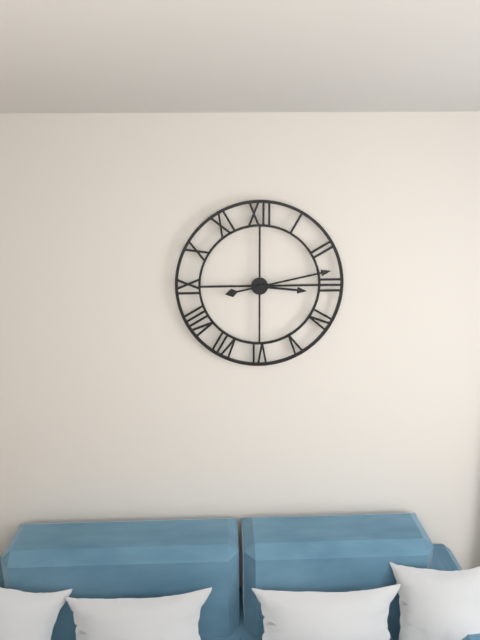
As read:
**3:13**
